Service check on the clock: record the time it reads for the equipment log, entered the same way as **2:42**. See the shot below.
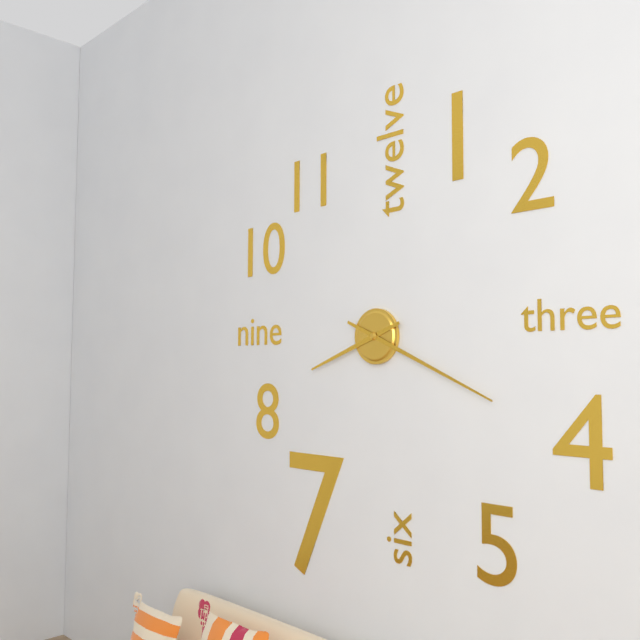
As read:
**8:19**
